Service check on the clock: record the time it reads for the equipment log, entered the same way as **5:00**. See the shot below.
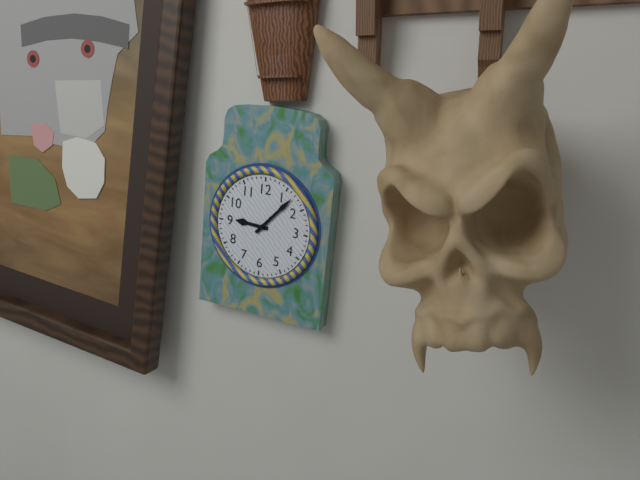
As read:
**9:07**
